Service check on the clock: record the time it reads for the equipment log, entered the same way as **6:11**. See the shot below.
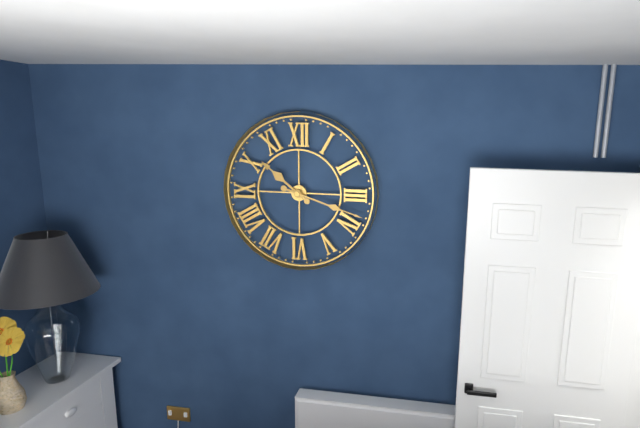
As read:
**10:18**
